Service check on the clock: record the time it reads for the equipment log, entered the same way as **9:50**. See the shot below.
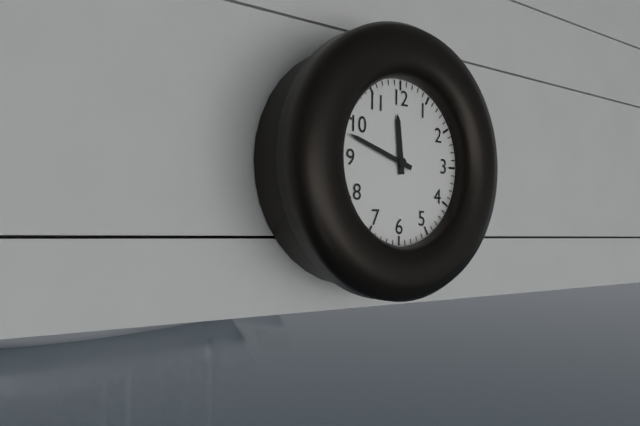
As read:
**11:48**
